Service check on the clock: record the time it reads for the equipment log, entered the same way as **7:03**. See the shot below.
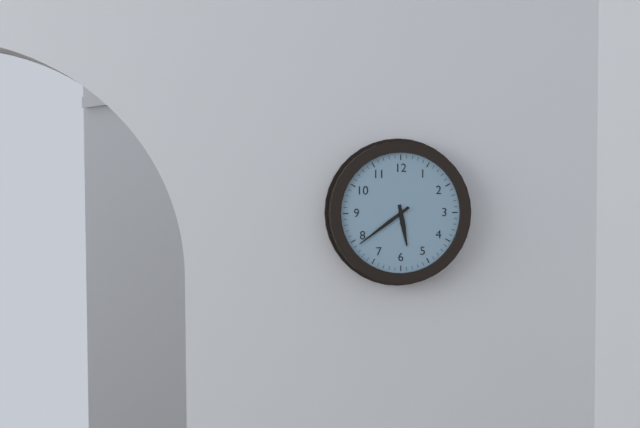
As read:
**5:39**
